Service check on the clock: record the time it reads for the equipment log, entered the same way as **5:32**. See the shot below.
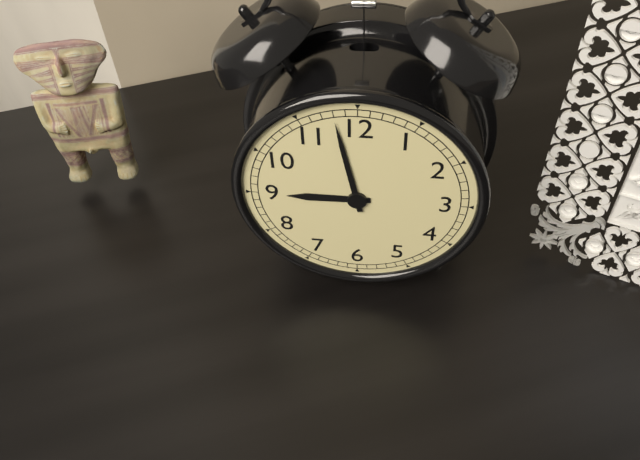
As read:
**8:58**
